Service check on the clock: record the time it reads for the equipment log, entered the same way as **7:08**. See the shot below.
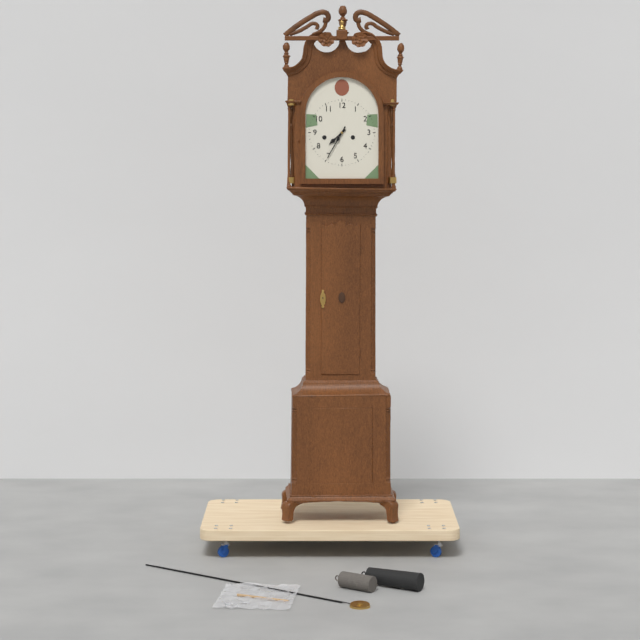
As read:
**7:35**
